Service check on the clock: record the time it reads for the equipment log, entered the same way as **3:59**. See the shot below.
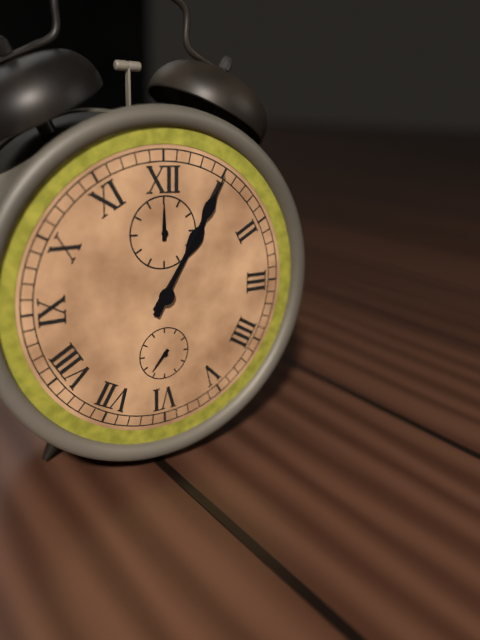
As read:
**1:05**
